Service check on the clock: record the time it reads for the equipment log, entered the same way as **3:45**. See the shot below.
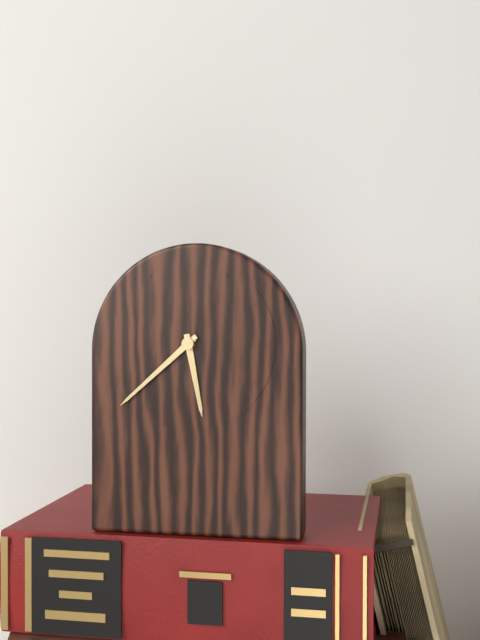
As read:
**5:38**
